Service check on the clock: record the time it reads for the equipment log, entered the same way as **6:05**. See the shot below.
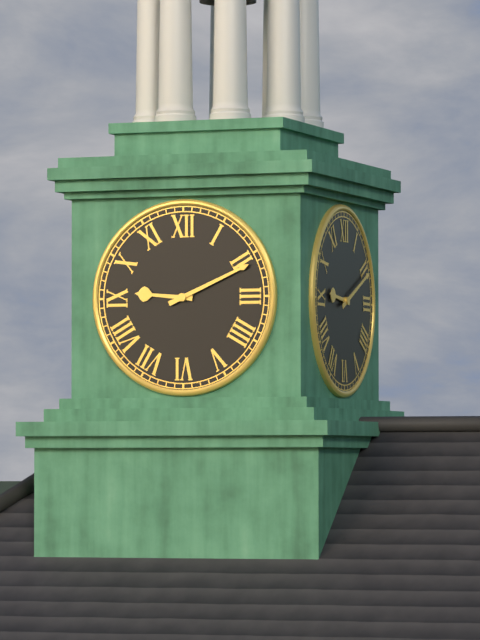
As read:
**9:11**
